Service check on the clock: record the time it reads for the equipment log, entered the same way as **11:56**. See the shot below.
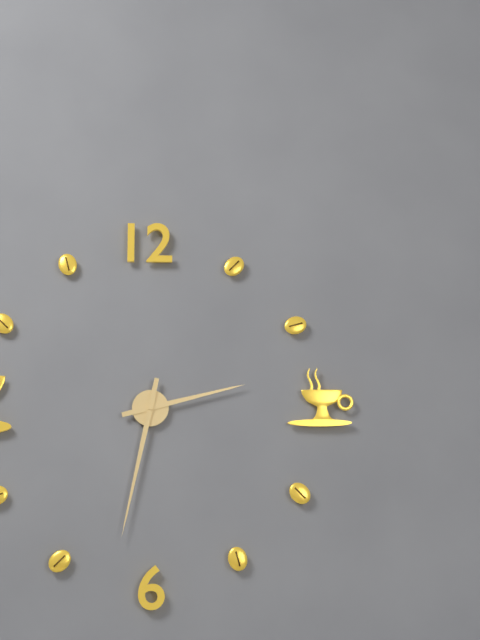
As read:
**2:32**
